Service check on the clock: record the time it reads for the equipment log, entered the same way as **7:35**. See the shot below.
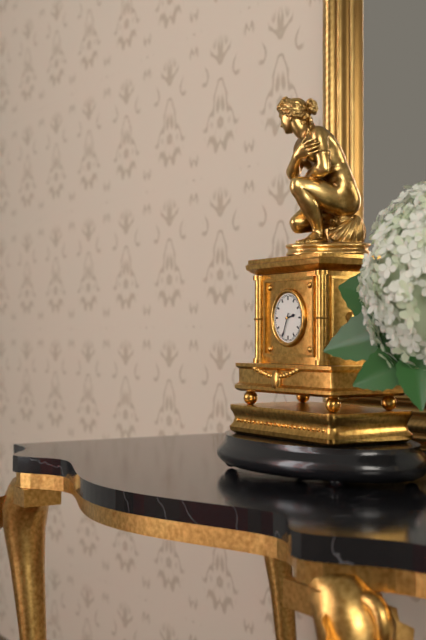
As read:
**2:34**
